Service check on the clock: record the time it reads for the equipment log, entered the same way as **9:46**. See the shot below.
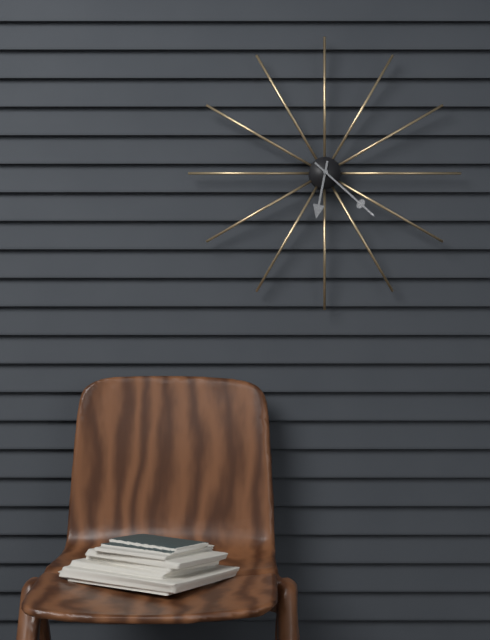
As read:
**6:22**
